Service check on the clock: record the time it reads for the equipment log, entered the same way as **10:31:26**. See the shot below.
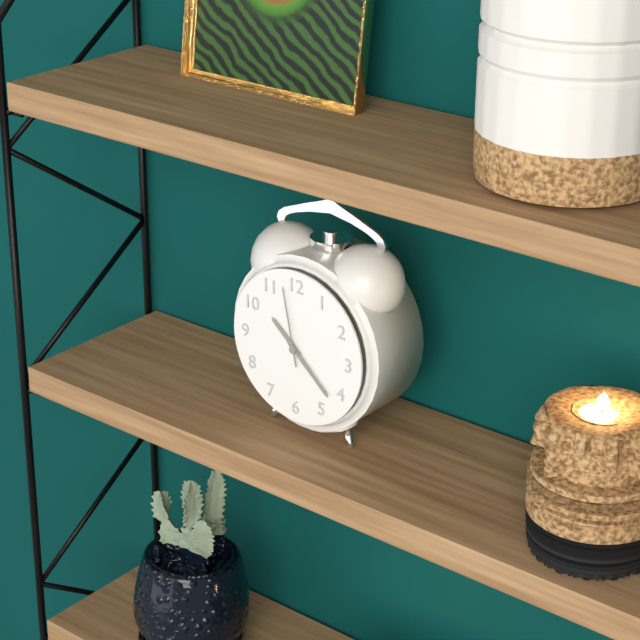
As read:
**10:22:58**
